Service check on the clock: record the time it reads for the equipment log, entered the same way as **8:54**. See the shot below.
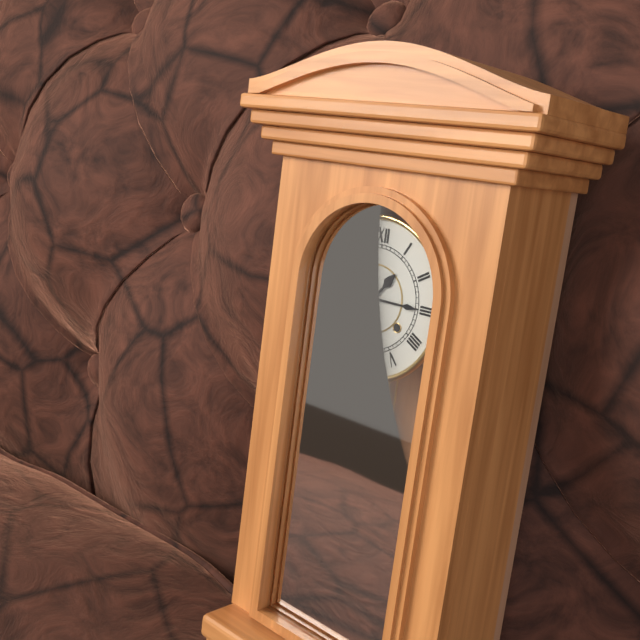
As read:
**1:15**
